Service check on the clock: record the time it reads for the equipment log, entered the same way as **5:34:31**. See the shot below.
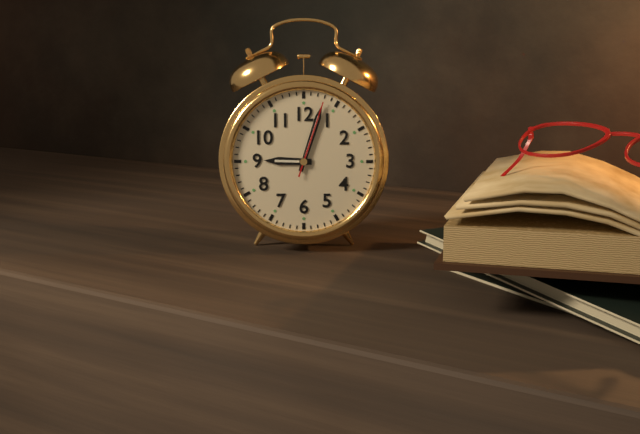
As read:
**9:03:03**
